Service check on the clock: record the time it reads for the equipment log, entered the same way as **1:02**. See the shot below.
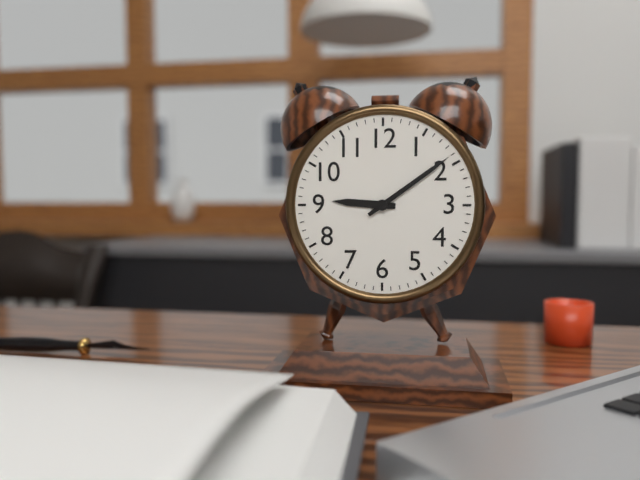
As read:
**9:09**
